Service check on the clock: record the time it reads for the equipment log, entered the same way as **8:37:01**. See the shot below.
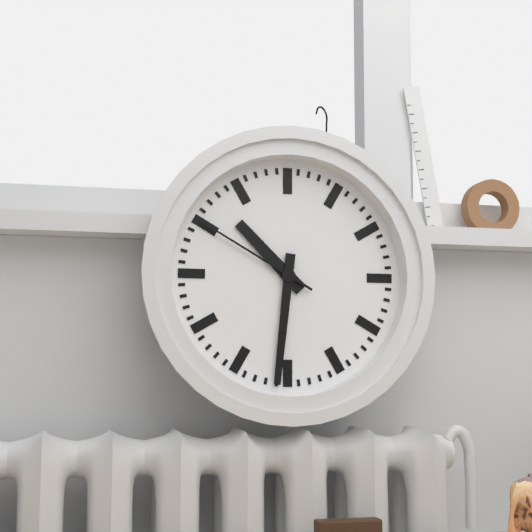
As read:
**10:31:50**
